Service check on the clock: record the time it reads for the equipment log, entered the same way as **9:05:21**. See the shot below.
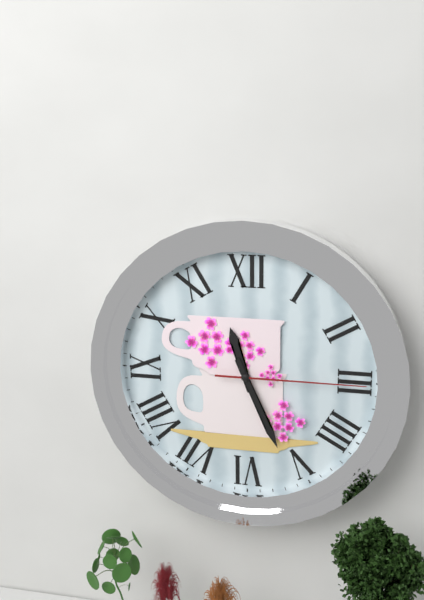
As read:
**11:26:15**
